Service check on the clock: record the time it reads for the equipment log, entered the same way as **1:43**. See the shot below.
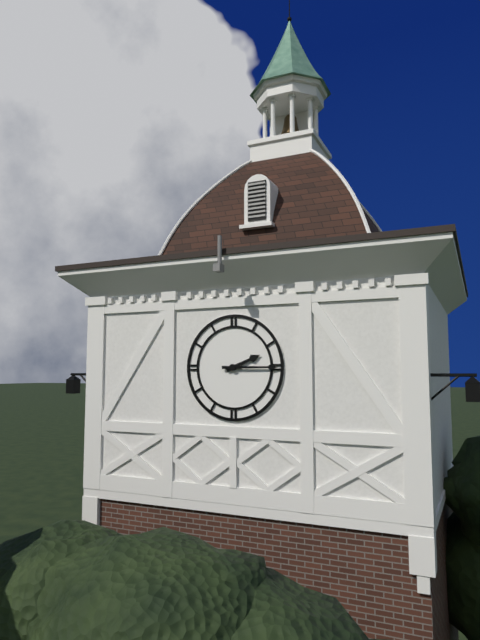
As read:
**2:15**
